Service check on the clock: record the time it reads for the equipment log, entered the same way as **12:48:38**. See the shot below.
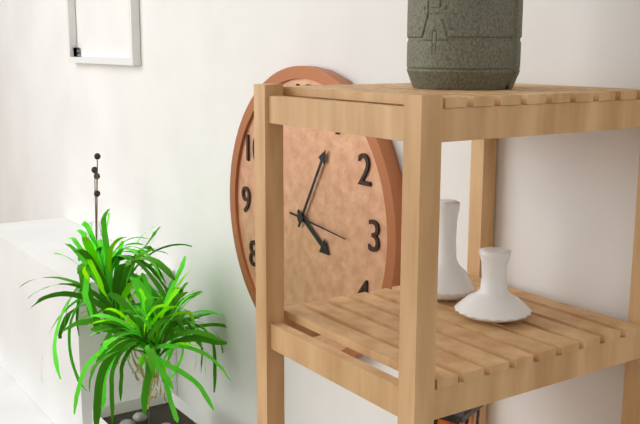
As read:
**4:05:16**
